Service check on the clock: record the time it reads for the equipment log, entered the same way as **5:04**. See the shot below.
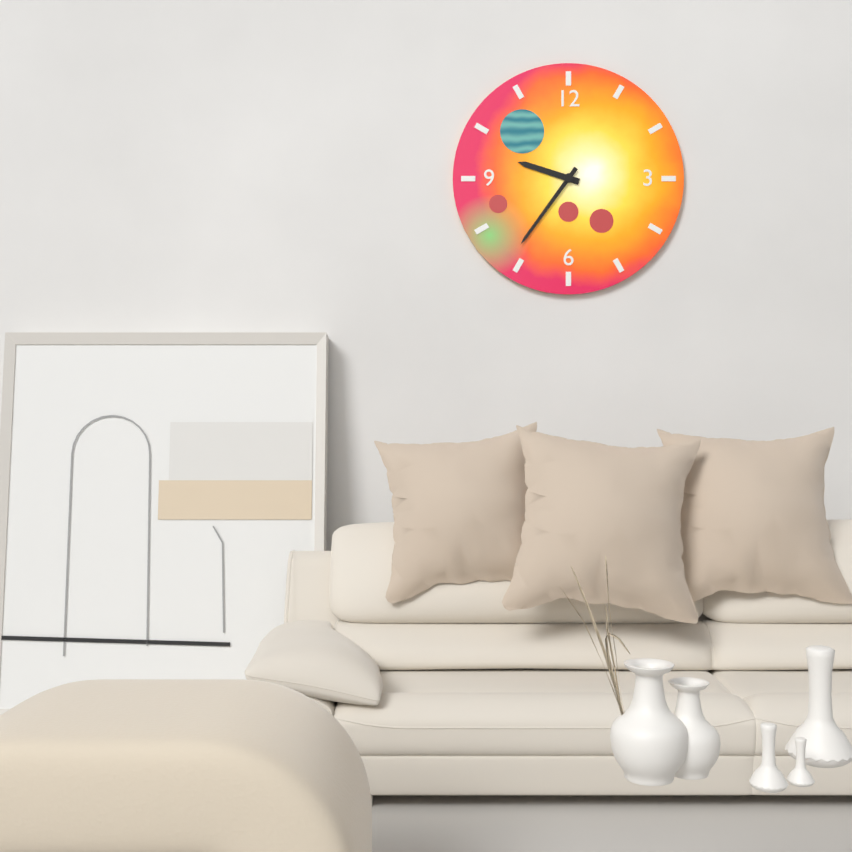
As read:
**9:36**
